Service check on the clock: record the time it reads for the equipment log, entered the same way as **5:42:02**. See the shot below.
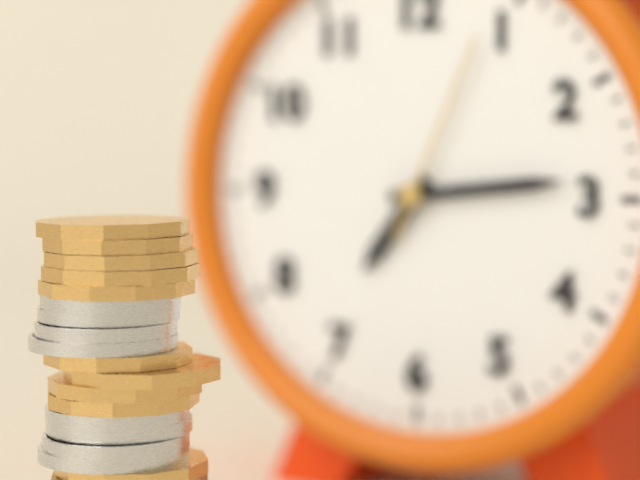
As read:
**7:14:04**
